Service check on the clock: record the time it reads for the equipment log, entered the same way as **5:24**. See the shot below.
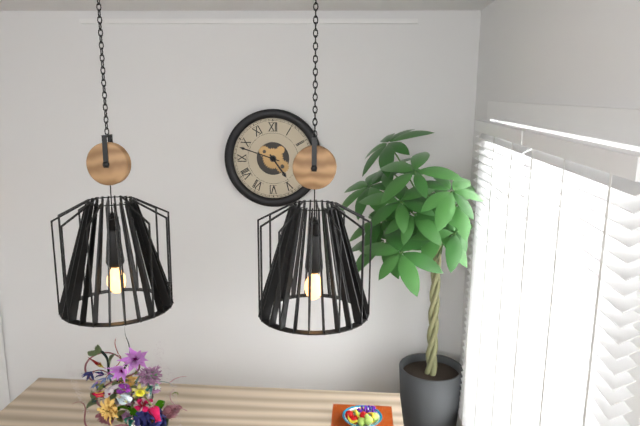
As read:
**4:48**
